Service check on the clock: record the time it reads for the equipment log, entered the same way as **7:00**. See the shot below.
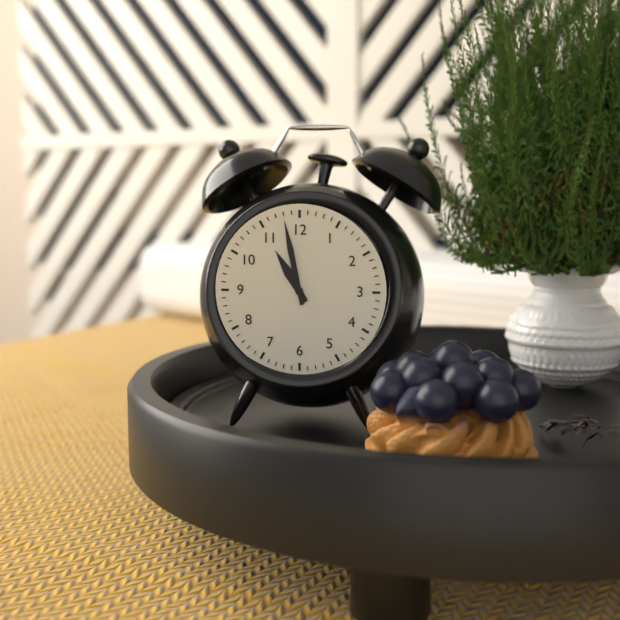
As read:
**10:58**
